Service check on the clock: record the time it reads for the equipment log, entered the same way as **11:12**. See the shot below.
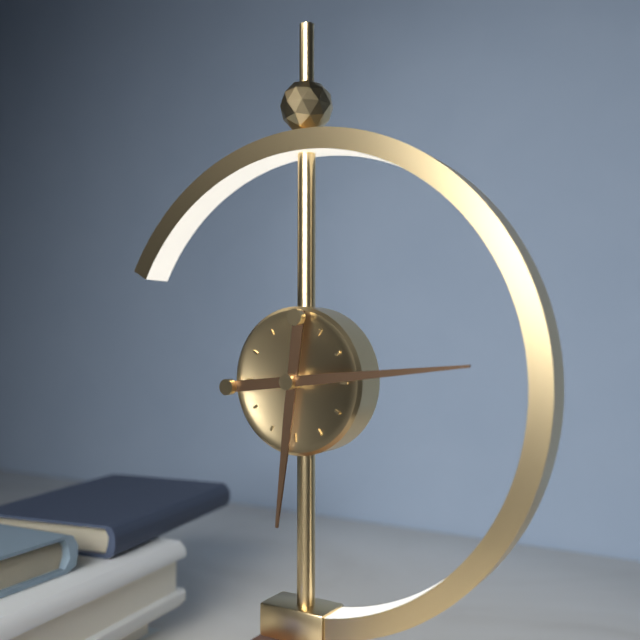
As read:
**6:14**
